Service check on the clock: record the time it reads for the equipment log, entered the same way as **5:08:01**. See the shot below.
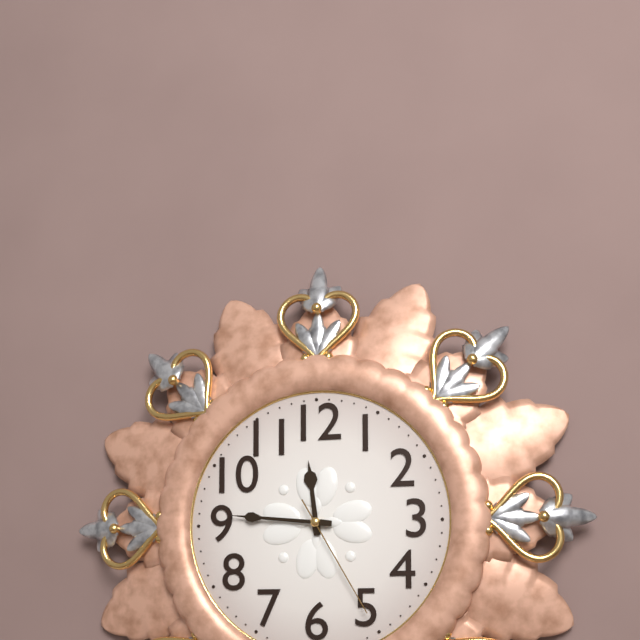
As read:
**11:46:25**
